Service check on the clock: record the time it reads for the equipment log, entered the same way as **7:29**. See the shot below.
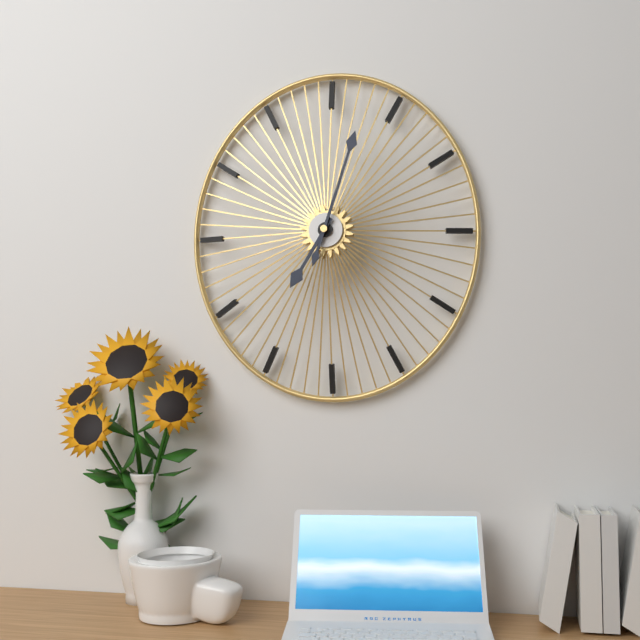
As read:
**7:03**
